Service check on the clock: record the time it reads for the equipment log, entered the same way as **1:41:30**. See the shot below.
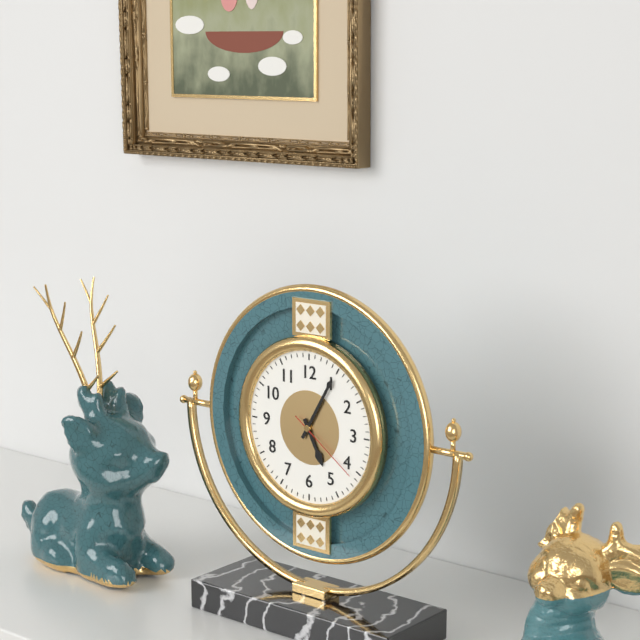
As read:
**5:05:21**
